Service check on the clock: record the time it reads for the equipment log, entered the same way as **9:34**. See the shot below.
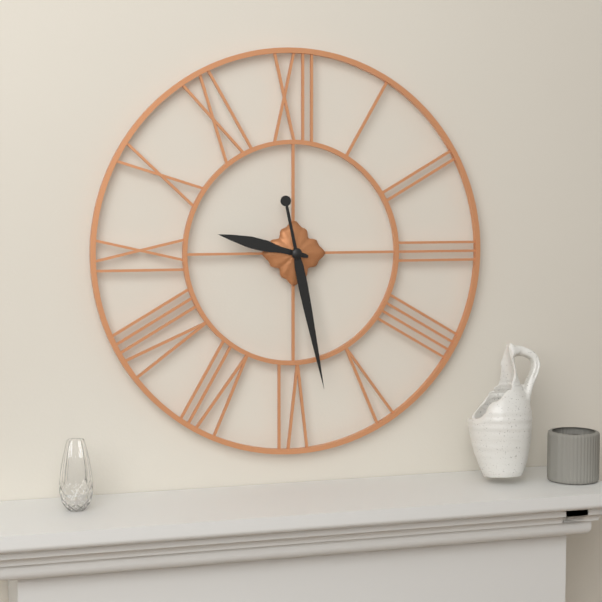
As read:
**9:28**
